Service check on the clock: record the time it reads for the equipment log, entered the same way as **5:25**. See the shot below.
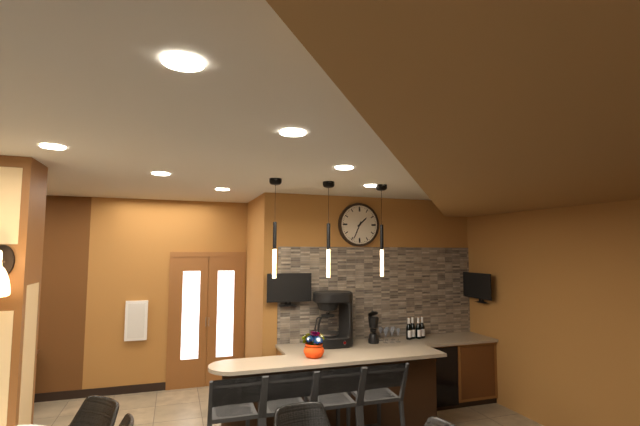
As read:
**1:34**
